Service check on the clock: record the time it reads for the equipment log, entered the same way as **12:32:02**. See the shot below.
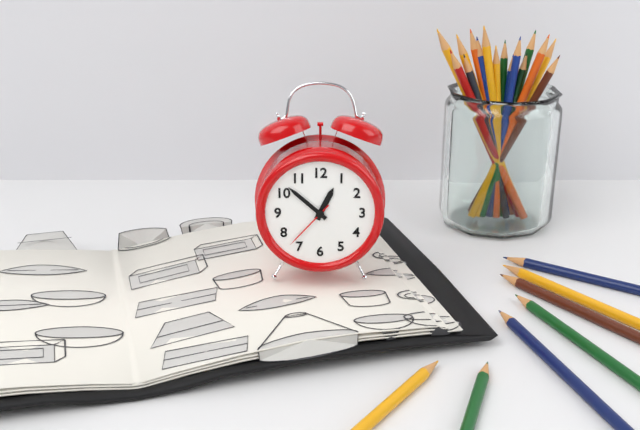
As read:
**12:52:37**
